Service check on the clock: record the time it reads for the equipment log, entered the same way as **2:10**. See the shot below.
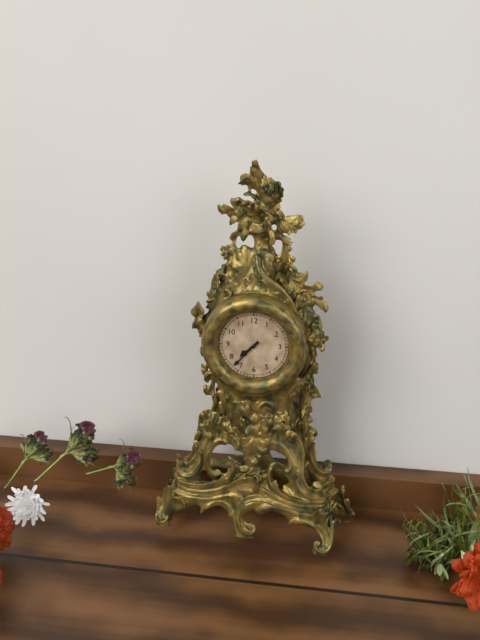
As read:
**7:37**
